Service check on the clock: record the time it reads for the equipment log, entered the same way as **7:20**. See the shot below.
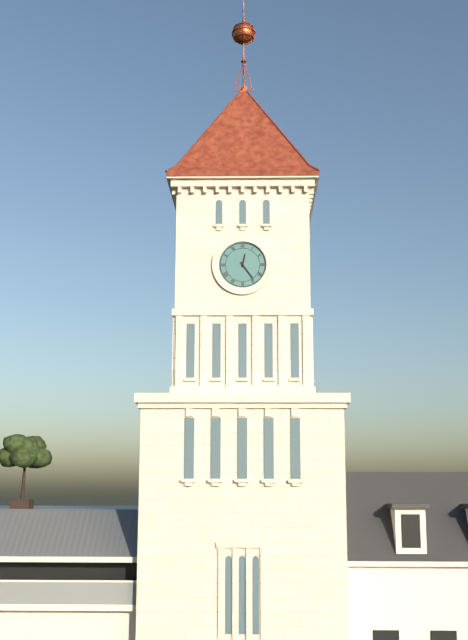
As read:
**12:24**
